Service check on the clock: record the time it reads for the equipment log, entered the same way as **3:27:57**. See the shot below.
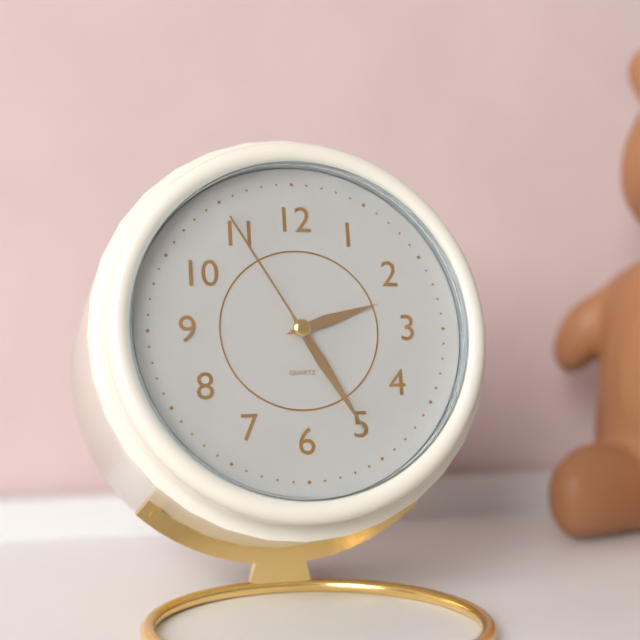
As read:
**2:25:55**
